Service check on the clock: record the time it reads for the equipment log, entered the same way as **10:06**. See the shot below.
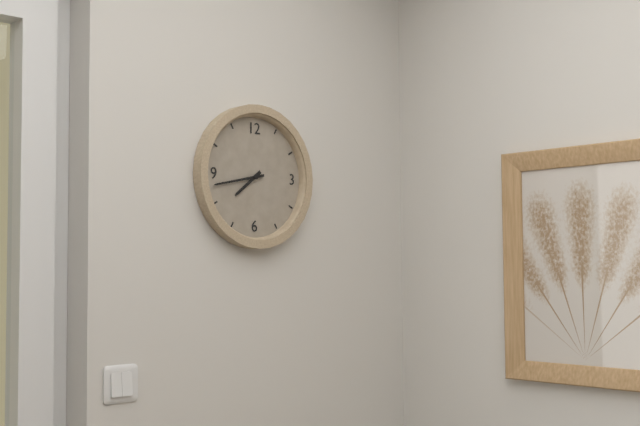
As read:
**7:43**
